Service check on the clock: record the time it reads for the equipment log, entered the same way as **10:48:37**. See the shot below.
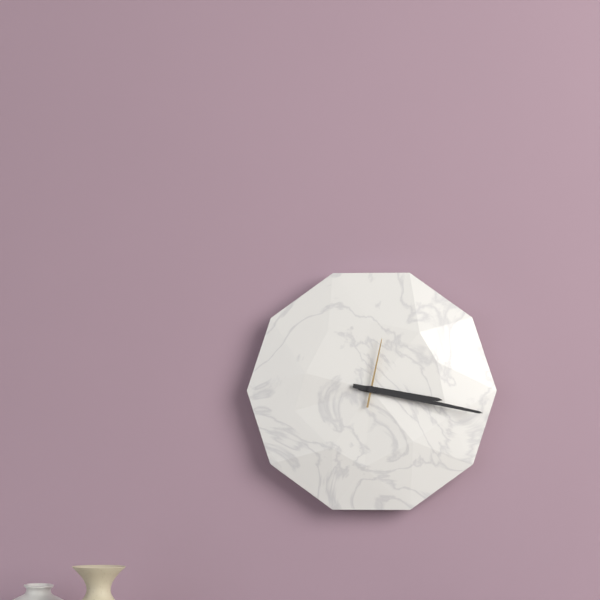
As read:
**3:17:02**
